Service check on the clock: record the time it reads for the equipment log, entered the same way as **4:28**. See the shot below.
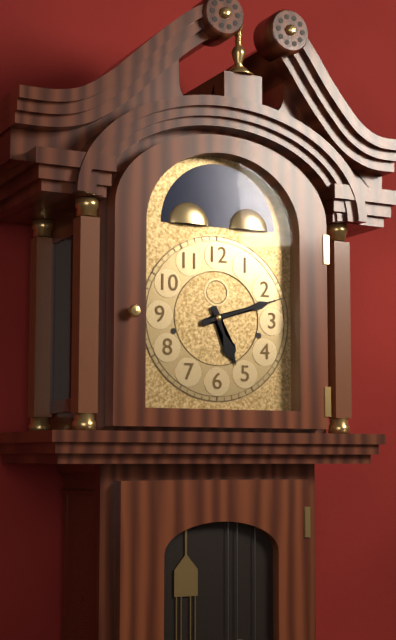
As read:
**5:12**
